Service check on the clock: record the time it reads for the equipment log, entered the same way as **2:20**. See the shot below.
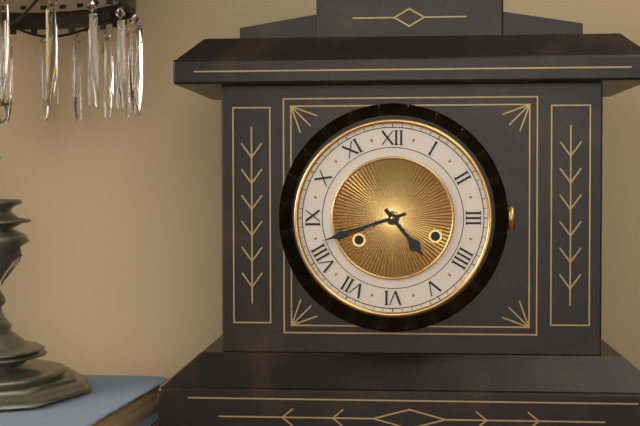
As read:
**4:42**
